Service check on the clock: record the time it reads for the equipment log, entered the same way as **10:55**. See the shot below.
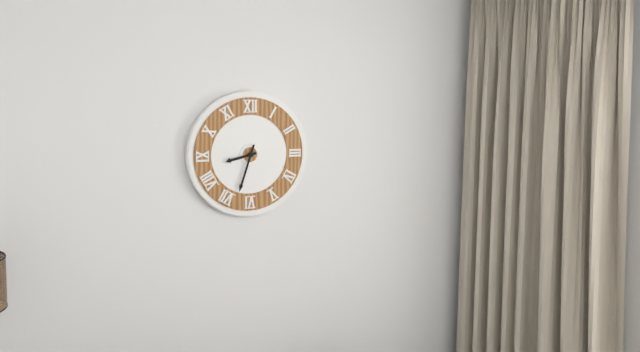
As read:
**8:33**
